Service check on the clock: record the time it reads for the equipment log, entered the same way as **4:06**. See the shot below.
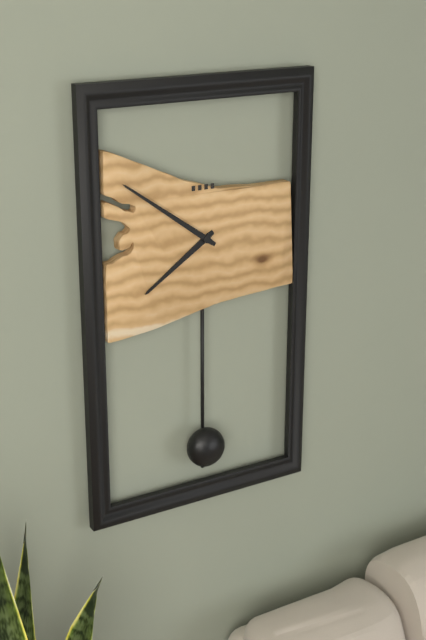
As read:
**7:51**
